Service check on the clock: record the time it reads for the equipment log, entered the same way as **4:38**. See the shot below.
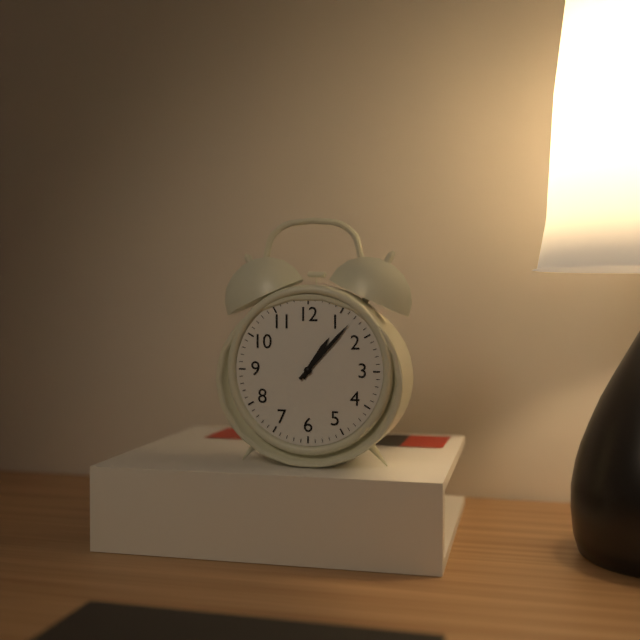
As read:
**1:07**
